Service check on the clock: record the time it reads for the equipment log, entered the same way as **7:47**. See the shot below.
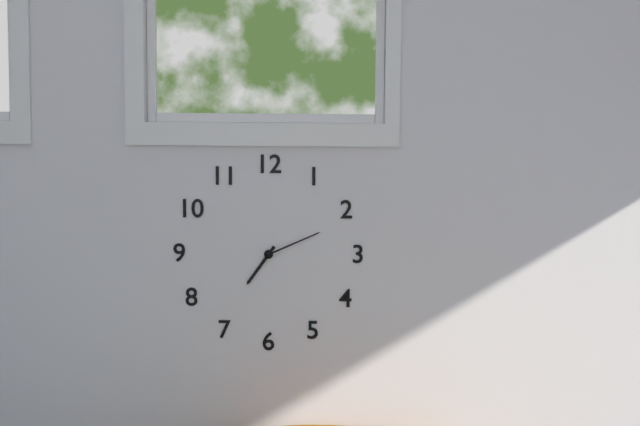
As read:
**7:11**
